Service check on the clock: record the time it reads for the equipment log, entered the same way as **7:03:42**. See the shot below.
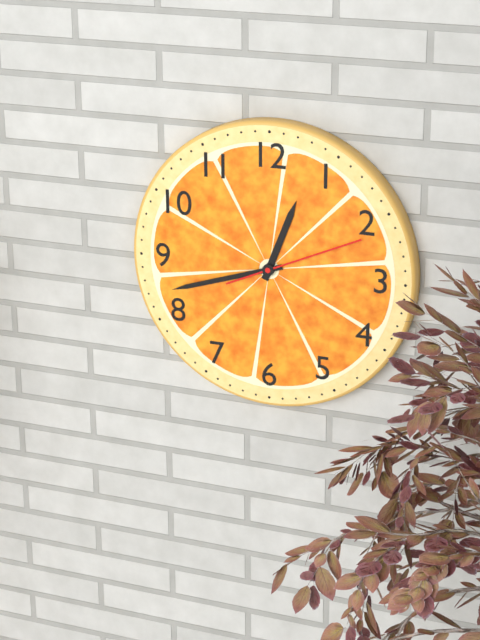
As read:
**12:42:11**
